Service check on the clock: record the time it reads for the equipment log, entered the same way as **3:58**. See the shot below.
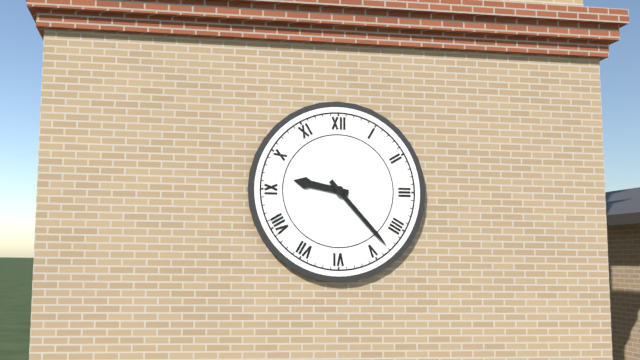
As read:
**9:23**
